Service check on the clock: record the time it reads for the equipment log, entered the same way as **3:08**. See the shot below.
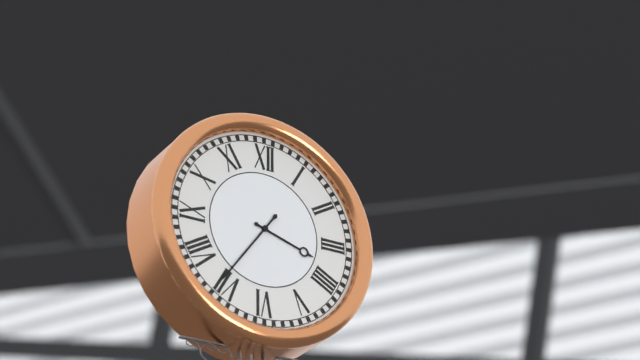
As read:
**3:36**
